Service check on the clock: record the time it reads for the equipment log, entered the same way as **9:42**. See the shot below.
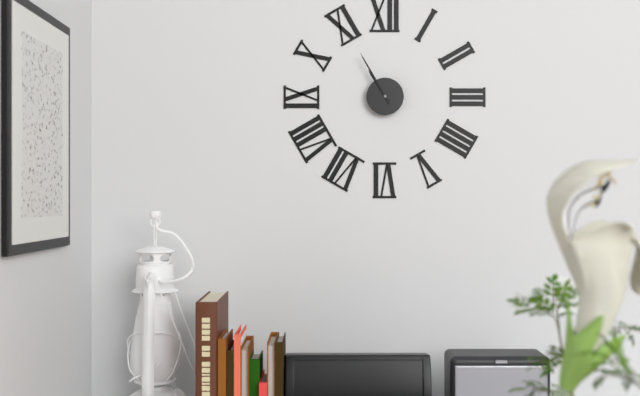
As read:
**10:55**
